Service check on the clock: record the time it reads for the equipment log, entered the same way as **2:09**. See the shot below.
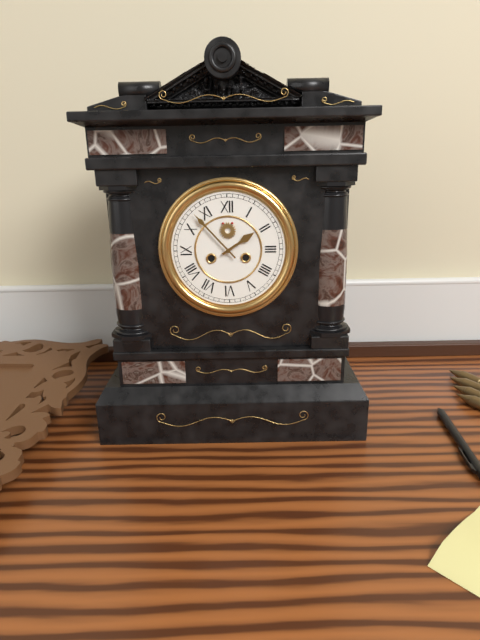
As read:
**1:53**
